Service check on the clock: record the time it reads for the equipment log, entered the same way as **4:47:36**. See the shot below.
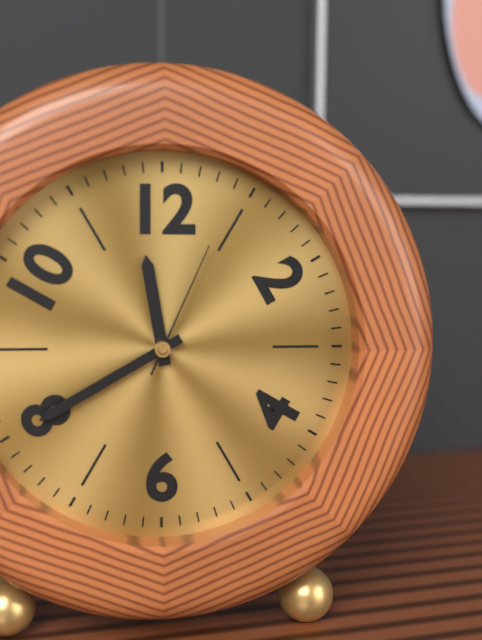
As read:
**11:40:04**
